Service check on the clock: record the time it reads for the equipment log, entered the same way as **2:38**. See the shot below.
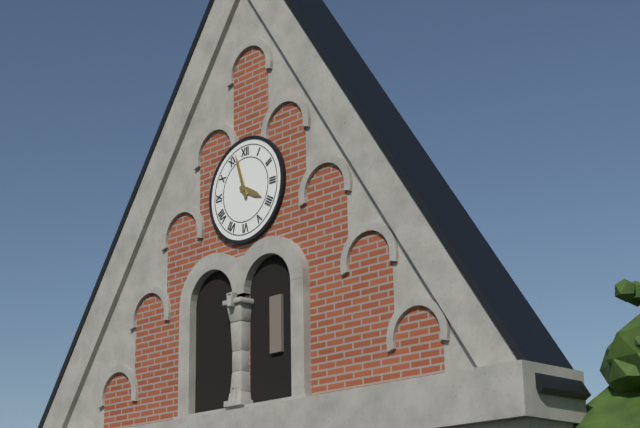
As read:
**3:57**
